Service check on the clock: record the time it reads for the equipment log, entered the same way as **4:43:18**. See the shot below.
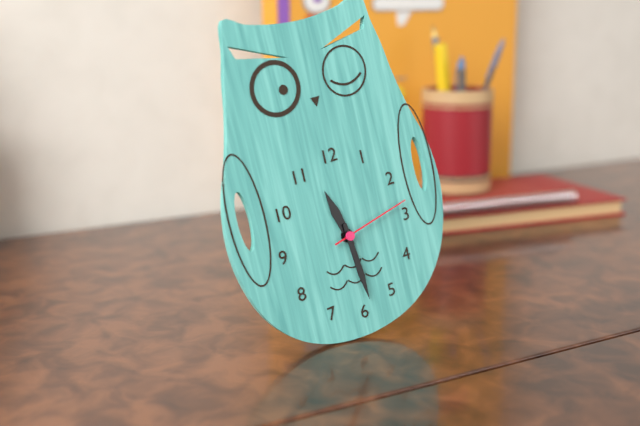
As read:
**11:29:13**
